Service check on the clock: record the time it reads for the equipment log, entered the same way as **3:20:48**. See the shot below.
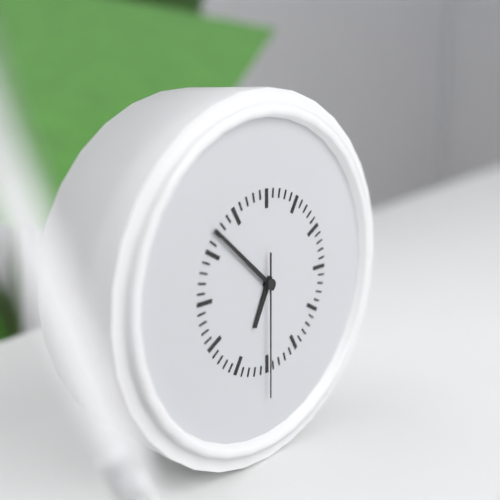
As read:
**6:52:30**
